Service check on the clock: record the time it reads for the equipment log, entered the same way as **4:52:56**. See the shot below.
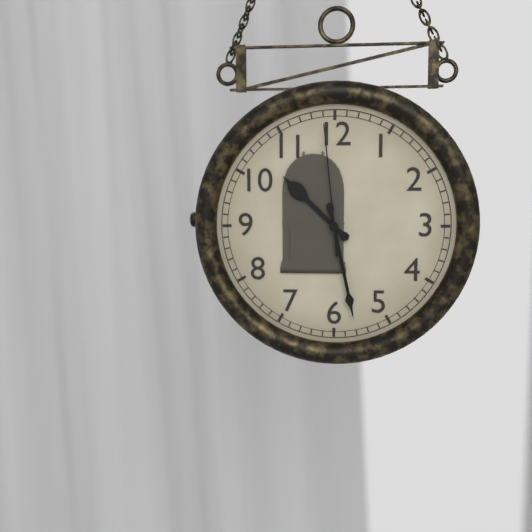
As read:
**10:28:59**
